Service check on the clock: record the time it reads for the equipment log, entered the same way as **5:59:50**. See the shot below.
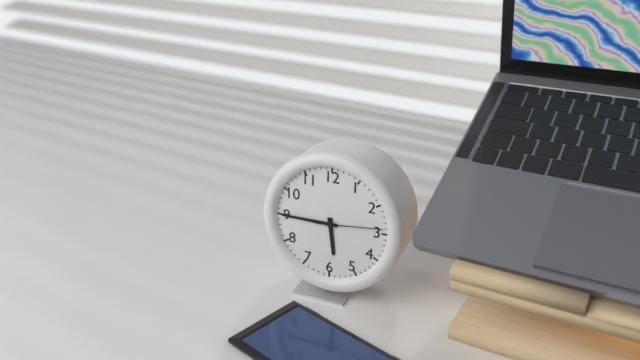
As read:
**5:45:14**
